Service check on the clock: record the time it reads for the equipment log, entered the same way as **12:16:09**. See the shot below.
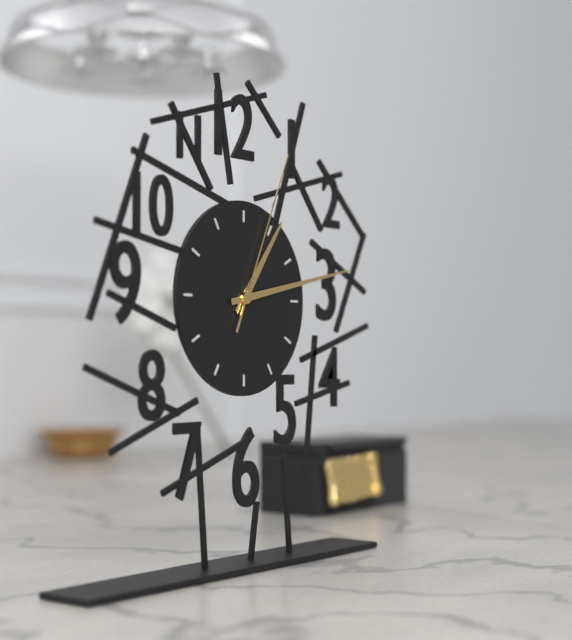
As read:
**1:13:04**
